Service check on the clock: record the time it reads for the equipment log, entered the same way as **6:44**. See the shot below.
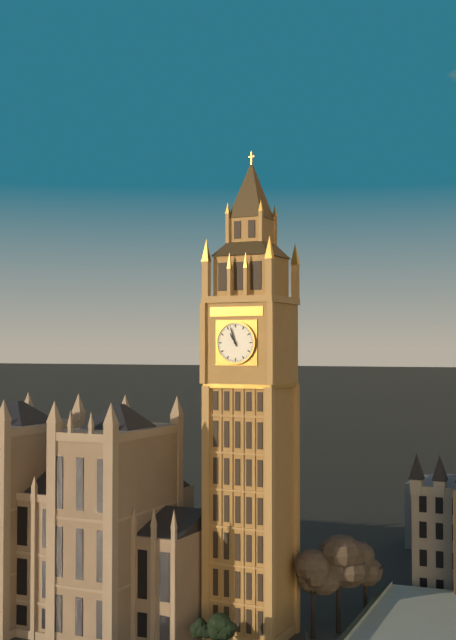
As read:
**10:57**
